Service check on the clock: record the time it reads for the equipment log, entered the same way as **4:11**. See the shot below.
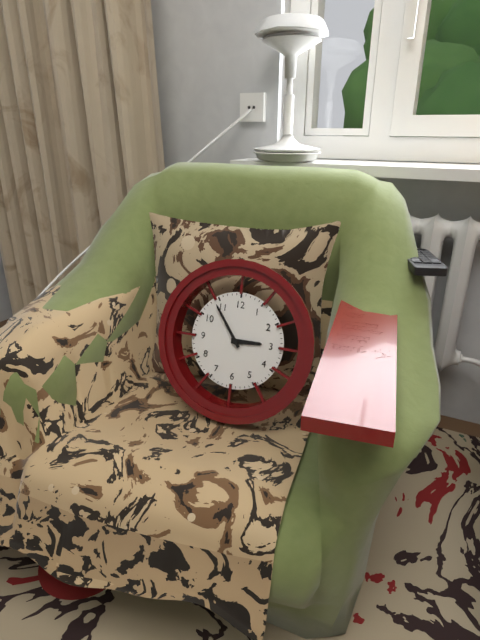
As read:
**2:54**
